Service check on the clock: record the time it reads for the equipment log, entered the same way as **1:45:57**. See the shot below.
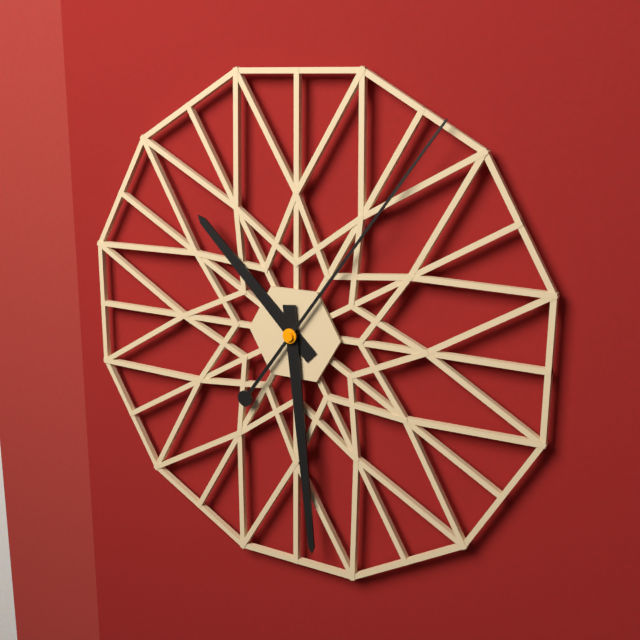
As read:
**10:29:06**
